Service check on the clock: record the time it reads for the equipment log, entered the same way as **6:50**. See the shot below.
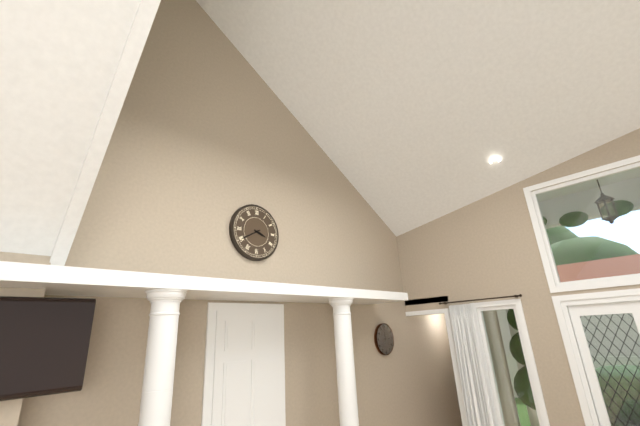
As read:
**3:40**
